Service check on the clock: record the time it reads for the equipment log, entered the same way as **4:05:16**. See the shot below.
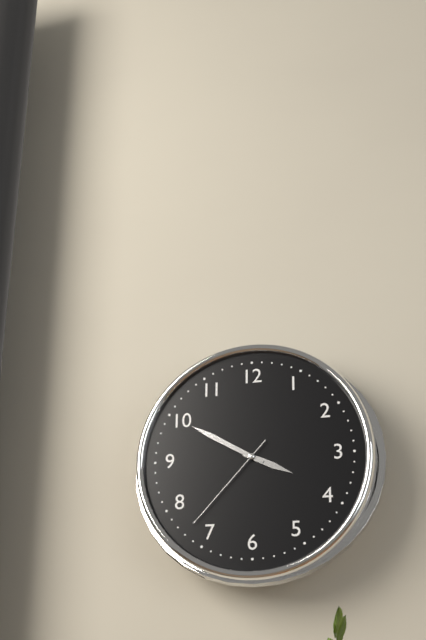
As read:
**3:50:37**
